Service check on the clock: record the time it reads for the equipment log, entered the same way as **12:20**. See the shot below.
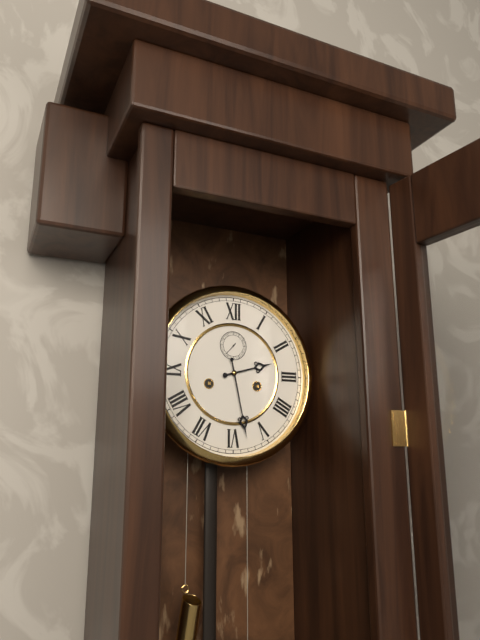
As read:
**2:28**
